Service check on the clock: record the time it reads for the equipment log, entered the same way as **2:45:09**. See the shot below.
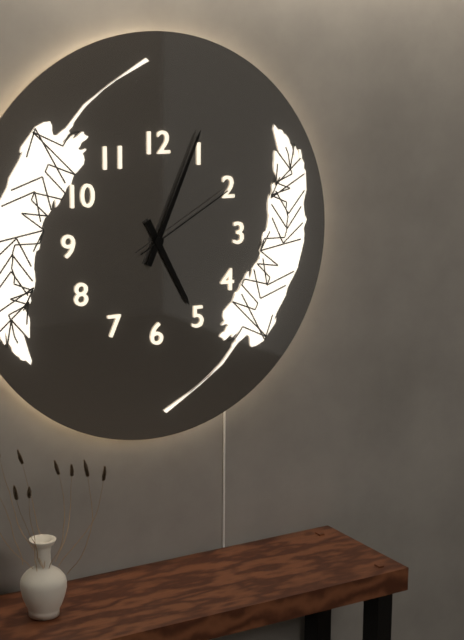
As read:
**5:04:10**
